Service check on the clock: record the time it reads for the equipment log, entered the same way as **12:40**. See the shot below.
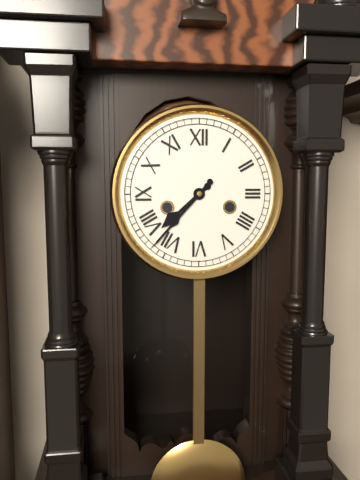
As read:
**7:37**
